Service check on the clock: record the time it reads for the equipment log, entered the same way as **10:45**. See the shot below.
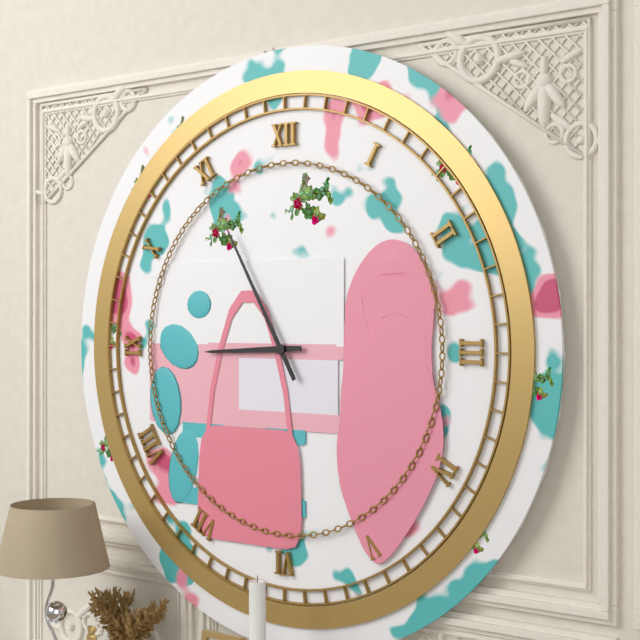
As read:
**8:55**
